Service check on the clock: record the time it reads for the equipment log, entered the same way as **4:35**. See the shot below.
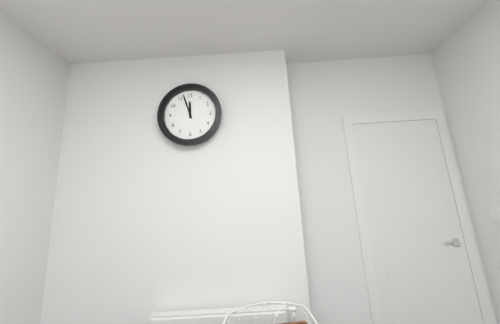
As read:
**11:57**
